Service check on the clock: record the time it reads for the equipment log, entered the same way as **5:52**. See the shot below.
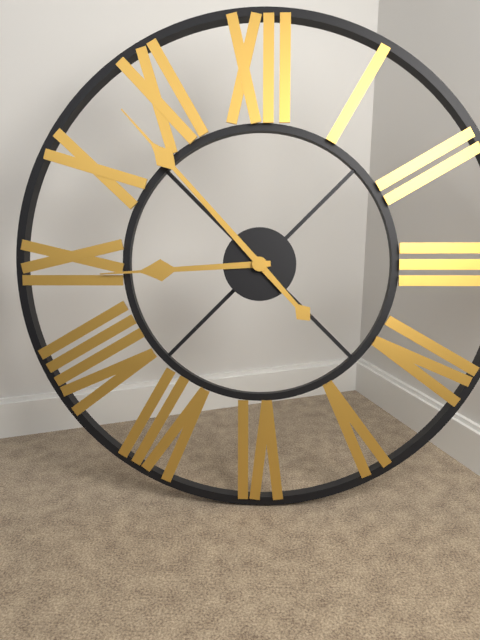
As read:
**8:53**
